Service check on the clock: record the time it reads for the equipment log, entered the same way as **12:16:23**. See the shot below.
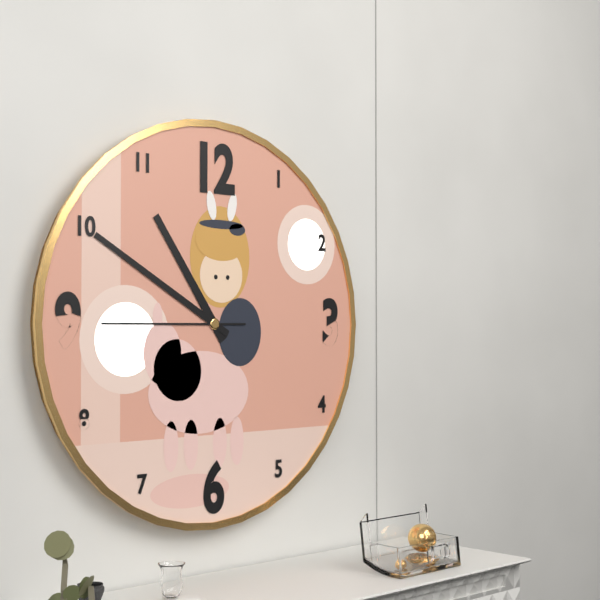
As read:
**10:50:45**
